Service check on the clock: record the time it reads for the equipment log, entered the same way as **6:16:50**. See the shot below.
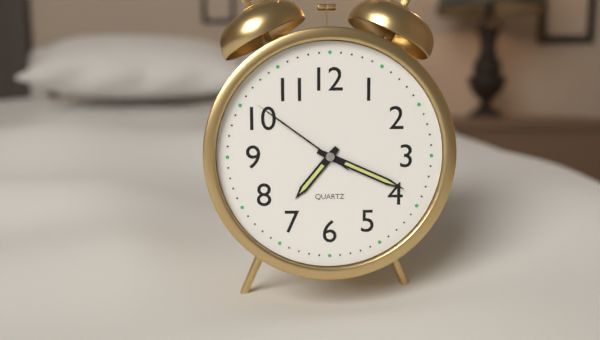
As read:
**7:19:51**
